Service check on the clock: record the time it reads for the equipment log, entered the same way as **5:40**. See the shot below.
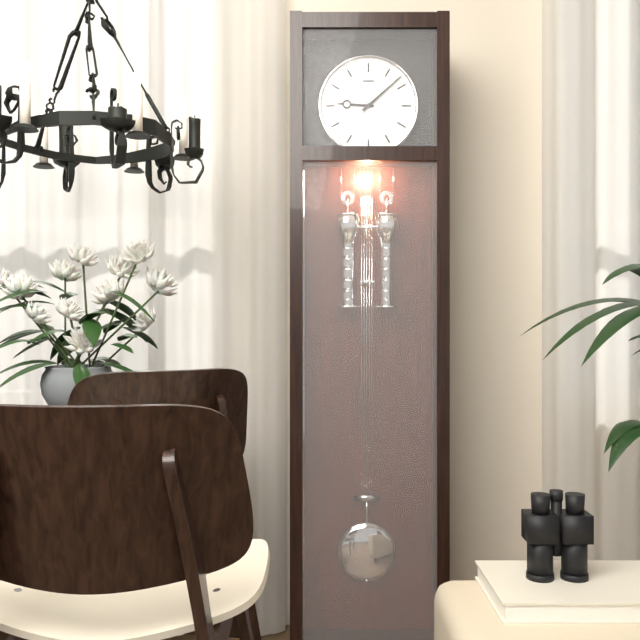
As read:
**9:08**
